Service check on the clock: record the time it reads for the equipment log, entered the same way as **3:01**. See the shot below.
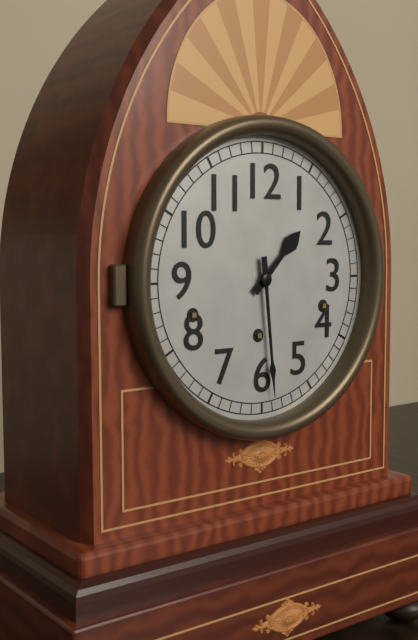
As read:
**1:29**
